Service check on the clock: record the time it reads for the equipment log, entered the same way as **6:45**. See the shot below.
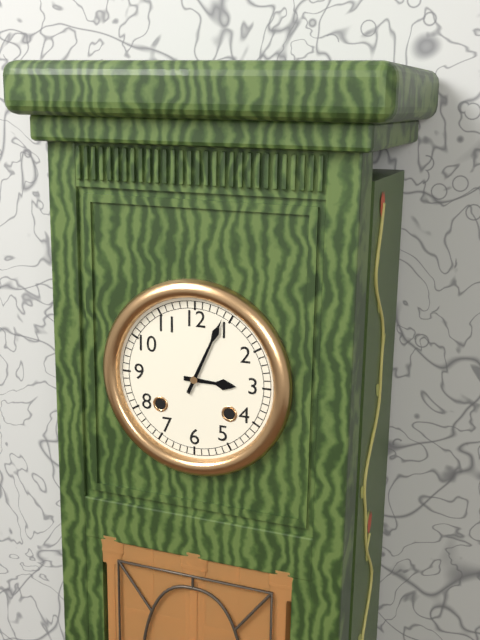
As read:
**3:04**
